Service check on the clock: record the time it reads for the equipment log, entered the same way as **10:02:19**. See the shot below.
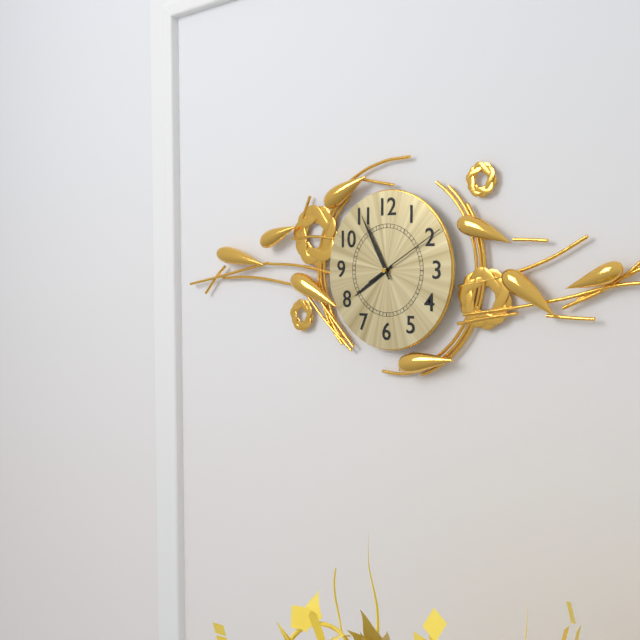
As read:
**7:55:10**
